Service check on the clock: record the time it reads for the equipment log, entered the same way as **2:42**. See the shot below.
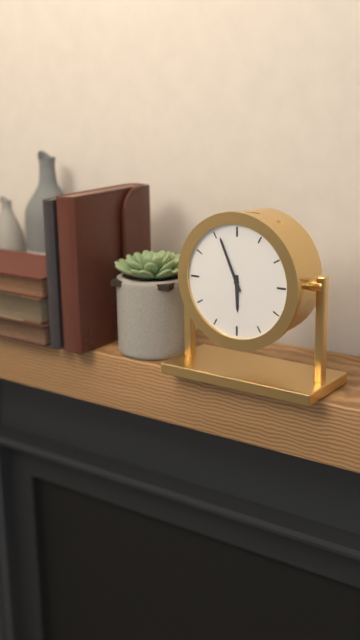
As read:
**5:56**
